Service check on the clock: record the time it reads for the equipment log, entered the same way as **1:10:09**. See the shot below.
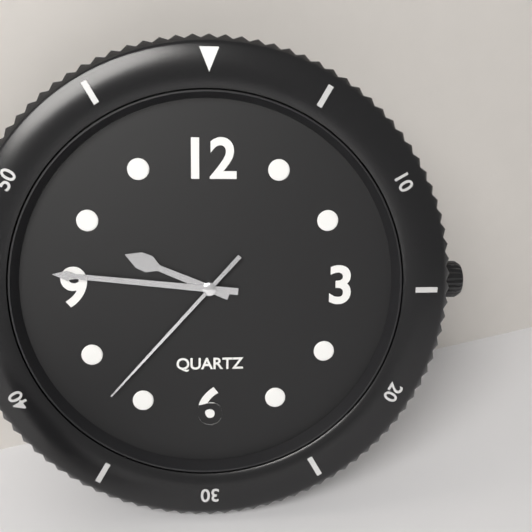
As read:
**9:46:37**
